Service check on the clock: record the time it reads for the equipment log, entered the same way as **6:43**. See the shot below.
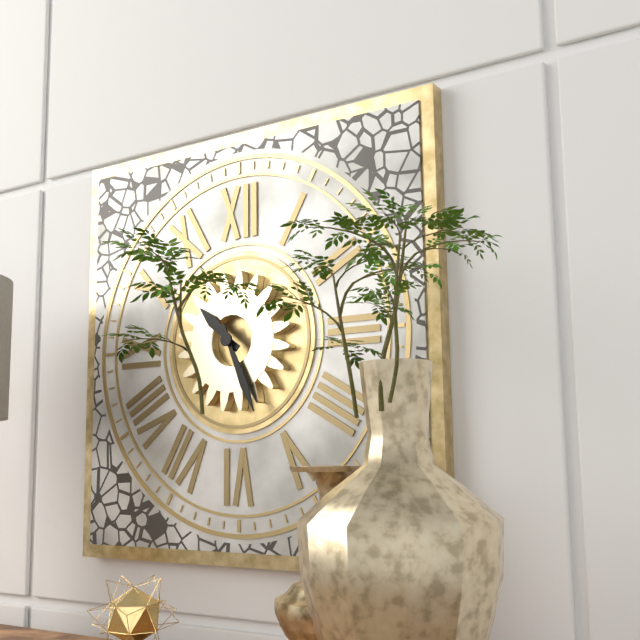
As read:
**10:26**
